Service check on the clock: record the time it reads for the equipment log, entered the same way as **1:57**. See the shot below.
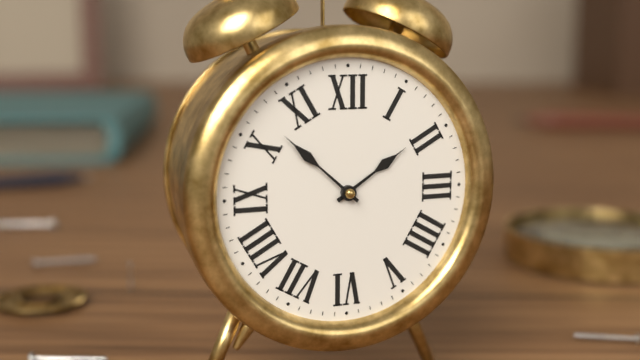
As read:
**1:52**
